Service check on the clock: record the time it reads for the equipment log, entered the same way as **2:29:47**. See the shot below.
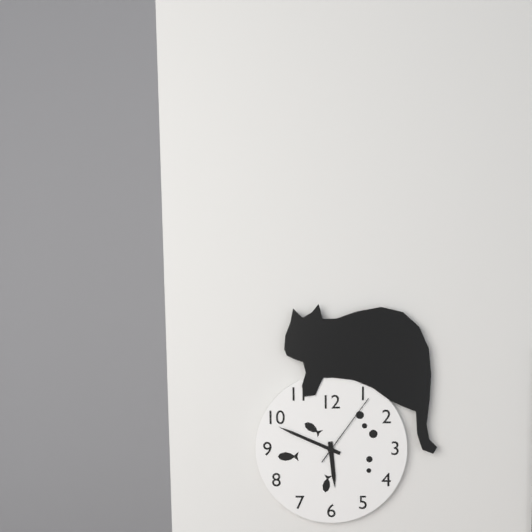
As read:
**5:49:06**
